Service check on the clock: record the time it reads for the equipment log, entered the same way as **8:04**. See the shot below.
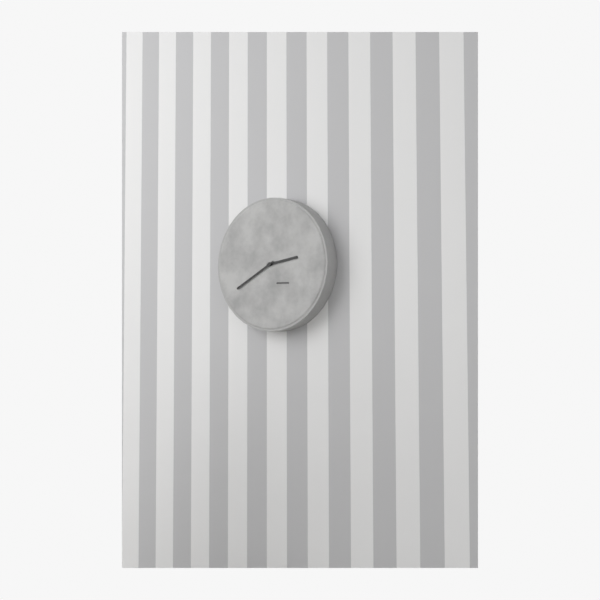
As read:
**2:40**
